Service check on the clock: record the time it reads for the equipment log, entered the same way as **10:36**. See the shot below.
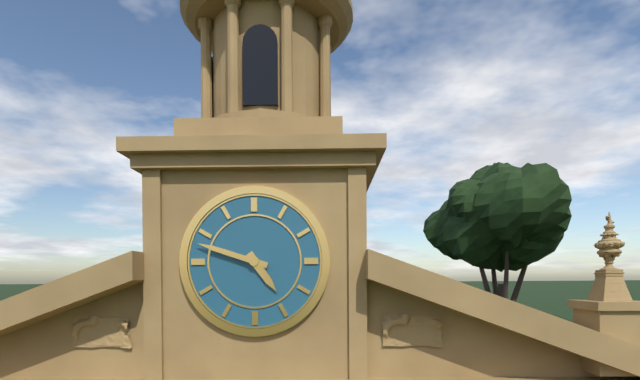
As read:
**4:48**
